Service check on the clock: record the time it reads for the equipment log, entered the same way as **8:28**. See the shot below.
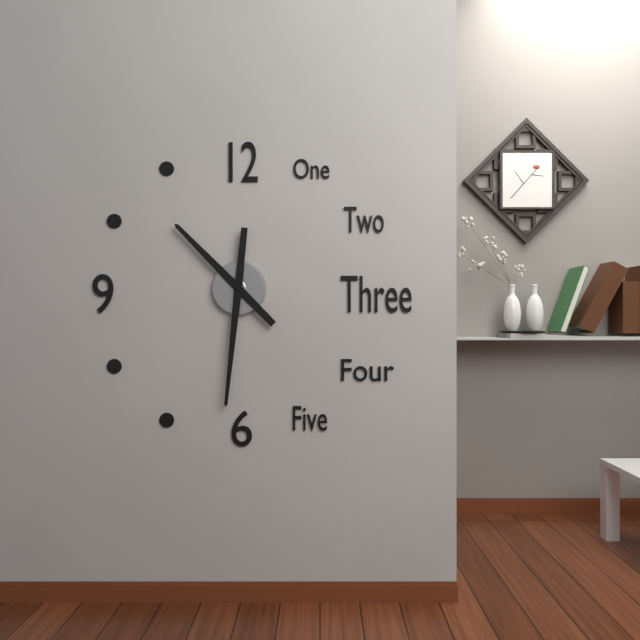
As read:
**10:31**
